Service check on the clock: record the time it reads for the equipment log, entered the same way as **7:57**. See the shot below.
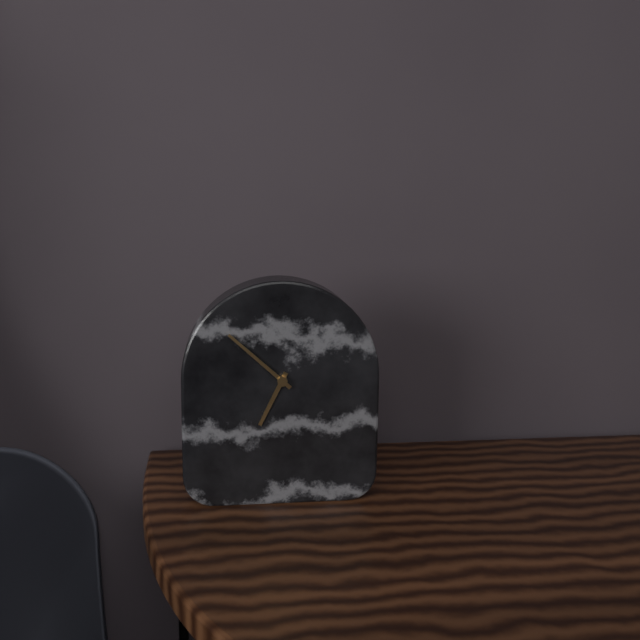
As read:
**6:52**
